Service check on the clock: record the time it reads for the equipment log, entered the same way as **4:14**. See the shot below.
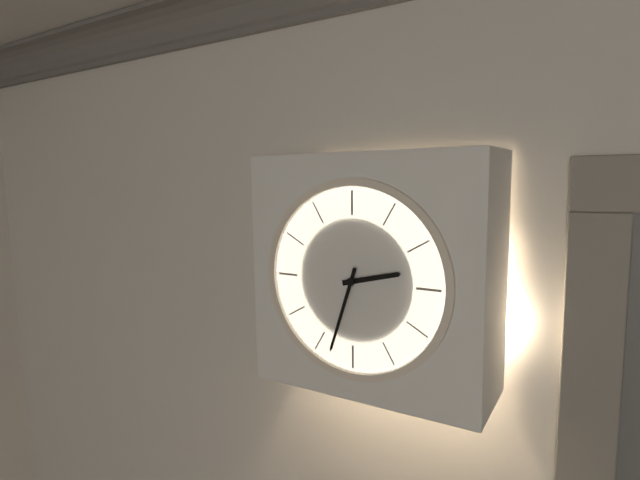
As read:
**2:33**
